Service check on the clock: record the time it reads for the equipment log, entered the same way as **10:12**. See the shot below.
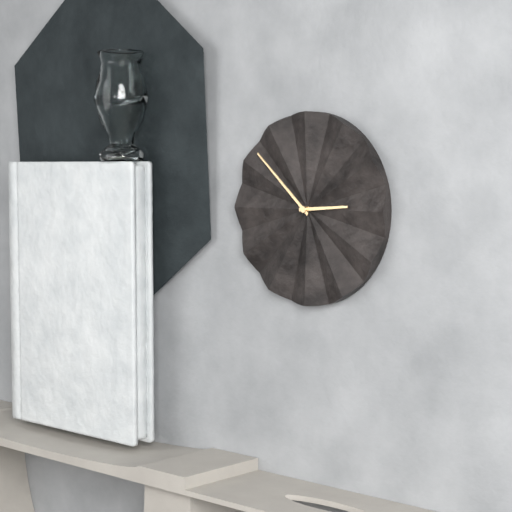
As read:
**2:52**
